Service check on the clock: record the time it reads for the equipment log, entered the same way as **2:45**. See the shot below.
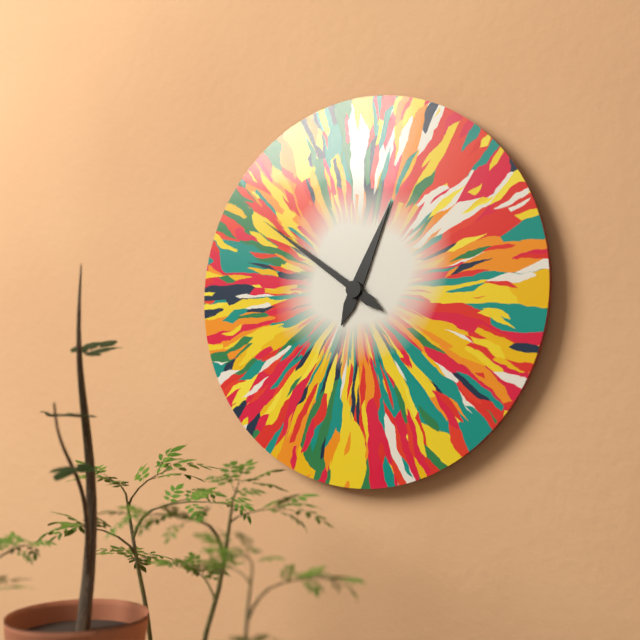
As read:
**12:51**
